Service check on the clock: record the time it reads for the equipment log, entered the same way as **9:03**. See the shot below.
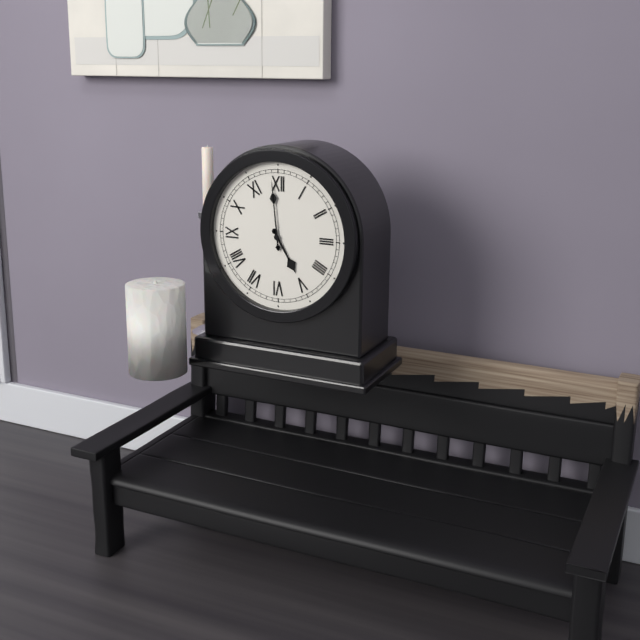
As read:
**4:59**
